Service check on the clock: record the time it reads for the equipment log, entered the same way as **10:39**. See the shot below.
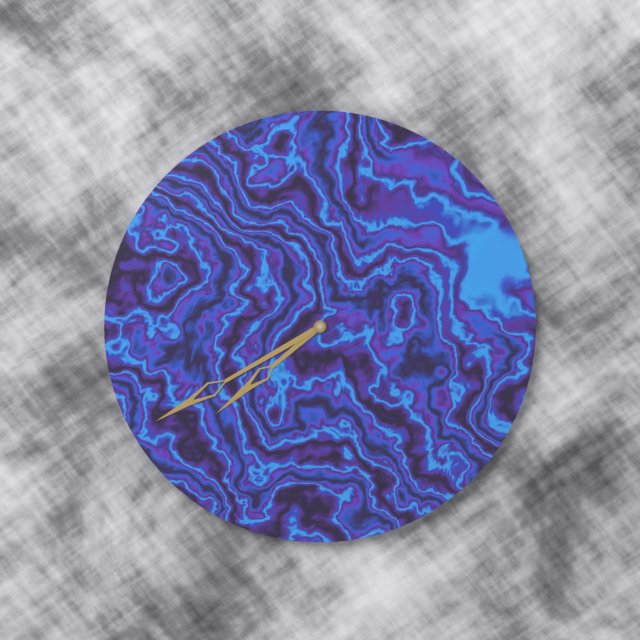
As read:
**7:40**
